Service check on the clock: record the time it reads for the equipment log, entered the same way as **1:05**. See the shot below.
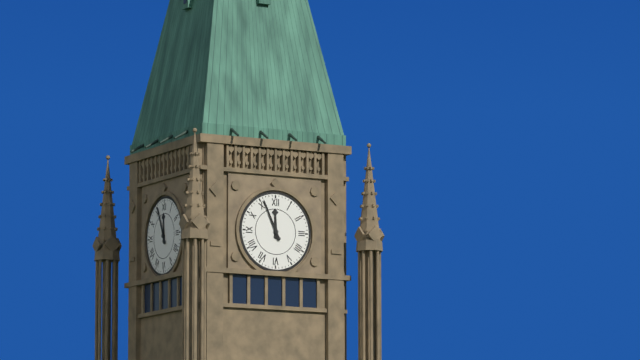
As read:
**11:56**
